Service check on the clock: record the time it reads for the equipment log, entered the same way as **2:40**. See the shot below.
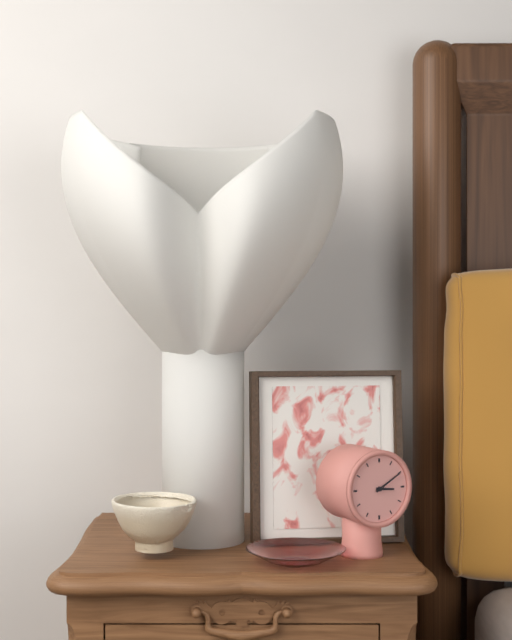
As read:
**3:10**
